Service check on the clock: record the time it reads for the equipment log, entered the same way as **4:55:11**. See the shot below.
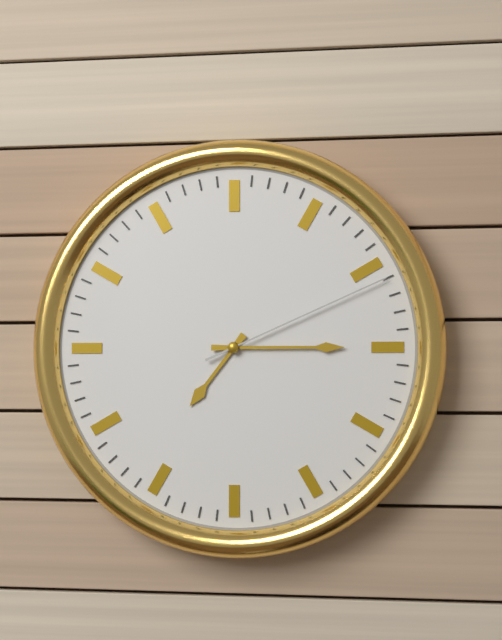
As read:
**7:15:11**
